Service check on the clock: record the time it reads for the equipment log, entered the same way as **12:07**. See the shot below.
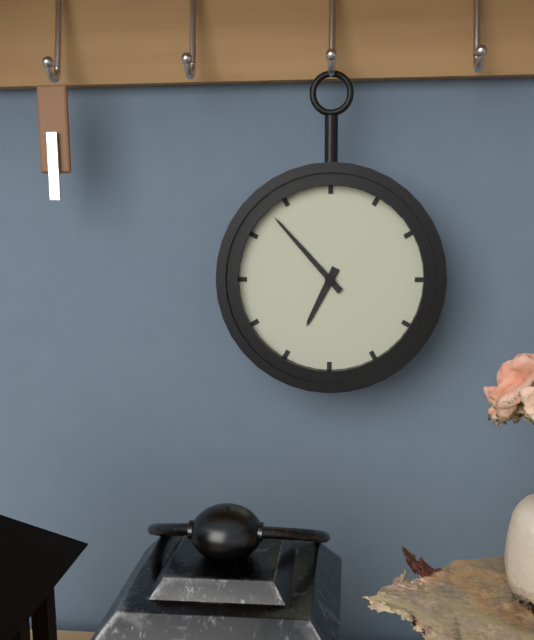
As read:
**6:53**
